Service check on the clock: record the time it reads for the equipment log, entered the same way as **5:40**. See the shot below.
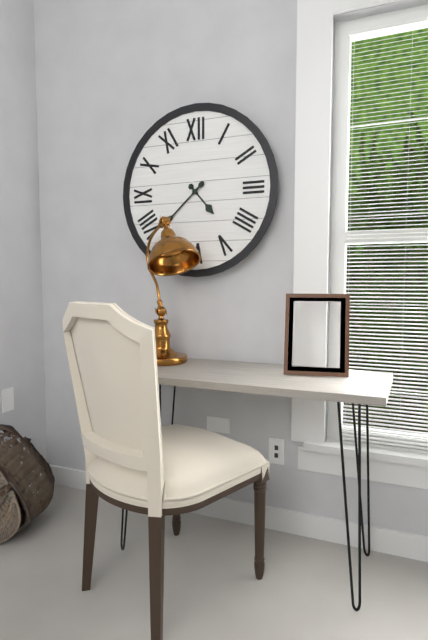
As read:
**4:38**
